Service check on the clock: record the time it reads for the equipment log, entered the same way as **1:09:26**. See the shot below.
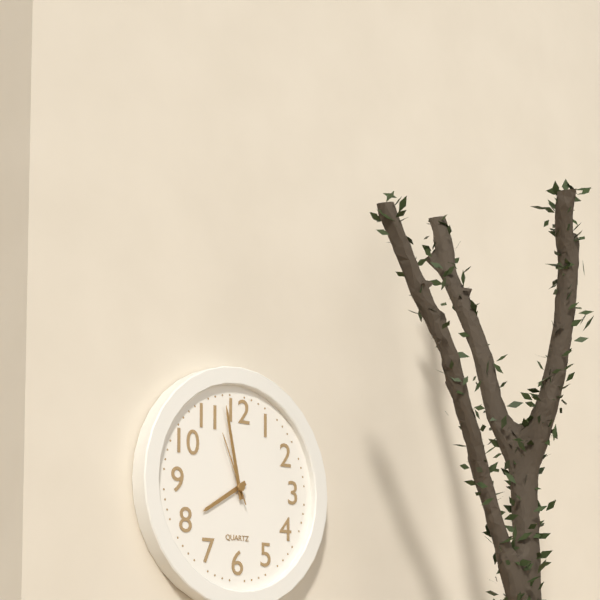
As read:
**7:58:56**
